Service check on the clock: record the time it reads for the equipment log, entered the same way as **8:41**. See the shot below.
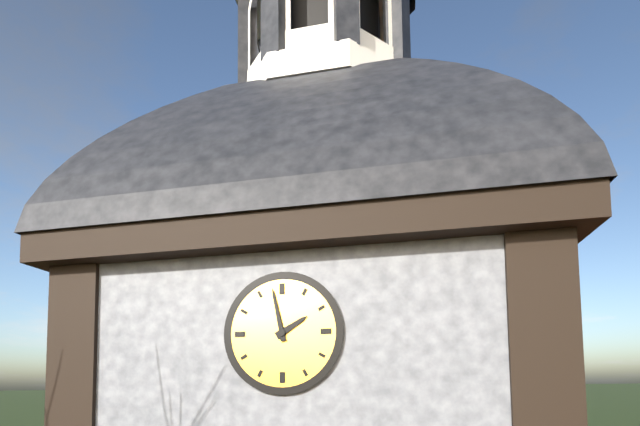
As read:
**1:58**
